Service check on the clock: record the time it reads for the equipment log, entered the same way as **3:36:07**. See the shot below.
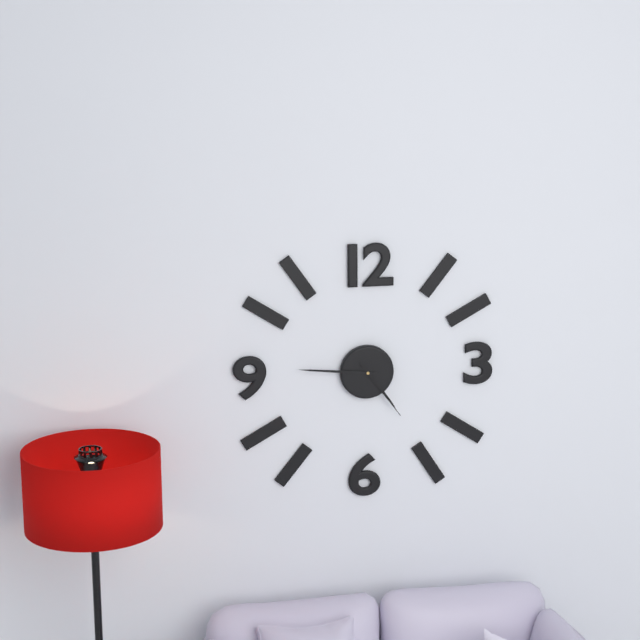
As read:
**4:46:24**
